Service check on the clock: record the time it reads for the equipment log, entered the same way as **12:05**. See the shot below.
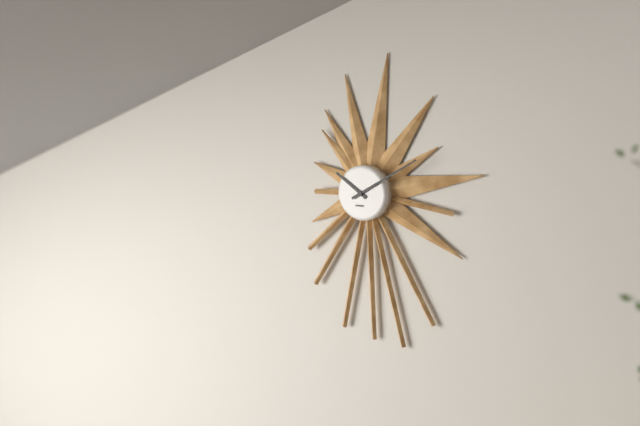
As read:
**10:10**
